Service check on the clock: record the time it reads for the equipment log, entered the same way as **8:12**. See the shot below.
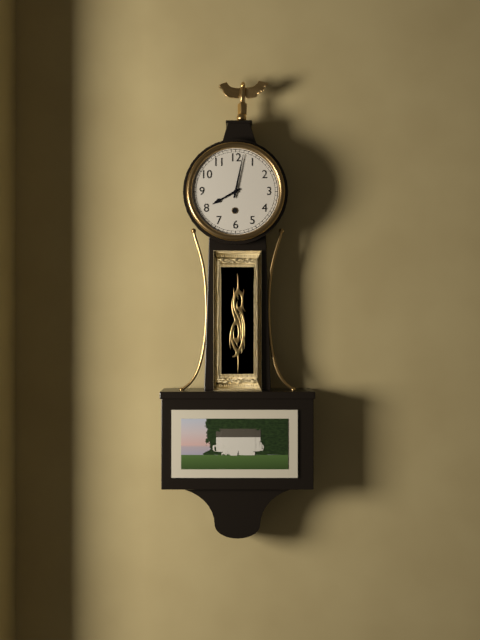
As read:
**8:02**
